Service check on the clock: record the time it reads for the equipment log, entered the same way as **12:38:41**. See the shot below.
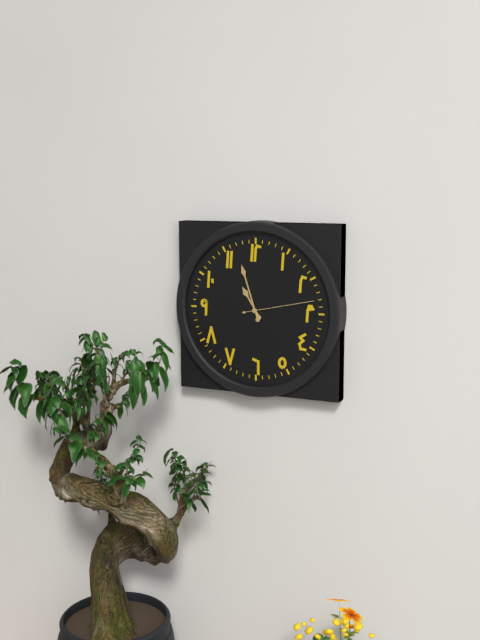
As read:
**10:57:13**
